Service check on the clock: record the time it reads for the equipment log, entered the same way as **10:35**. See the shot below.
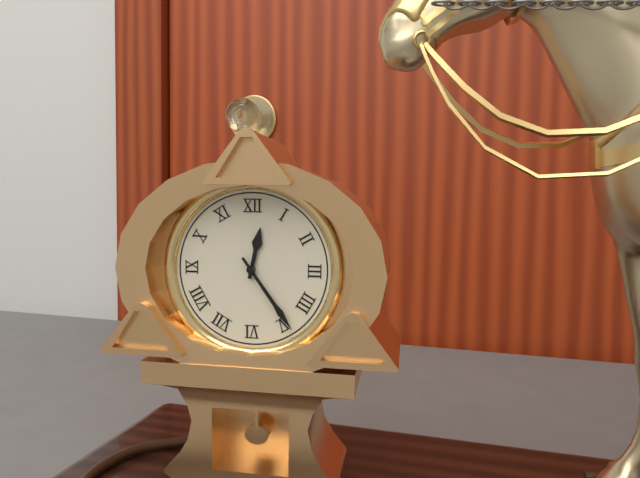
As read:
**12:24**
